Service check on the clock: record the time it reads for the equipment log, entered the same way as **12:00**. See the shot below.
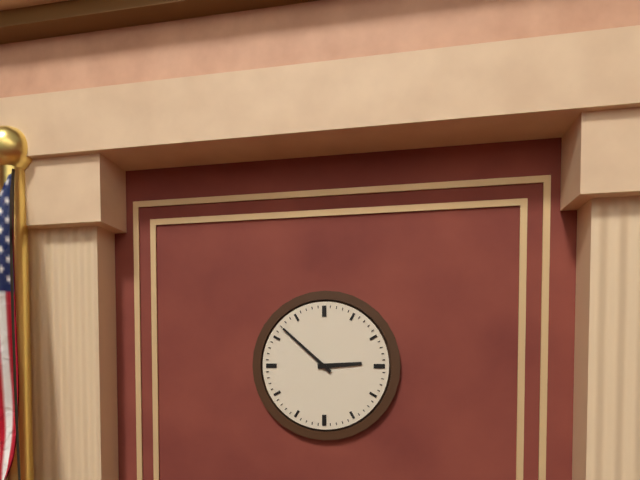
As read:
**2:52**
